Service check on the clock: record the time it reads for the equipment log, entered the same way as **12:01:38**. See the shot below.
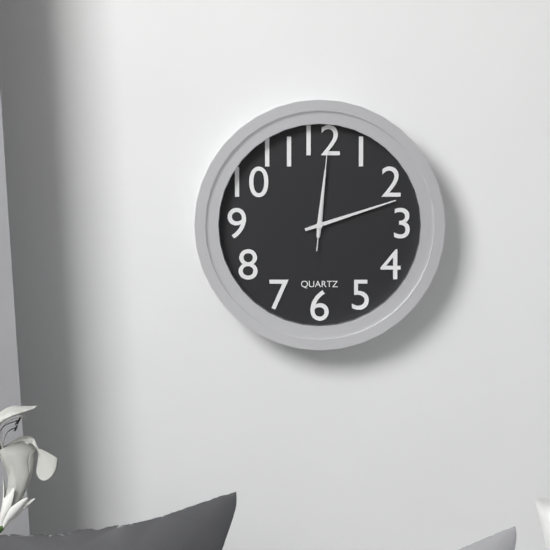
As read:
**12:12:01**
